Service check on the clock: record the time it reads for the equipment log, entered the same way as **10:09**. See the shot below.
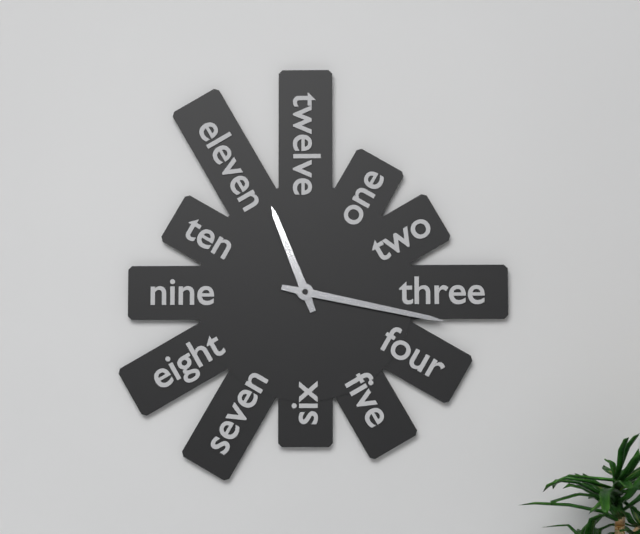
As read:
**11:17**
